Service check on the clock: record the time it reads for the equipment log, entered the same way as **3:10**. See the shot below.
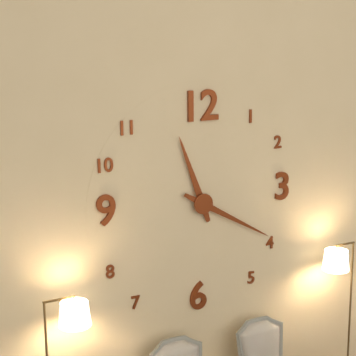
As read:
**11:20**
